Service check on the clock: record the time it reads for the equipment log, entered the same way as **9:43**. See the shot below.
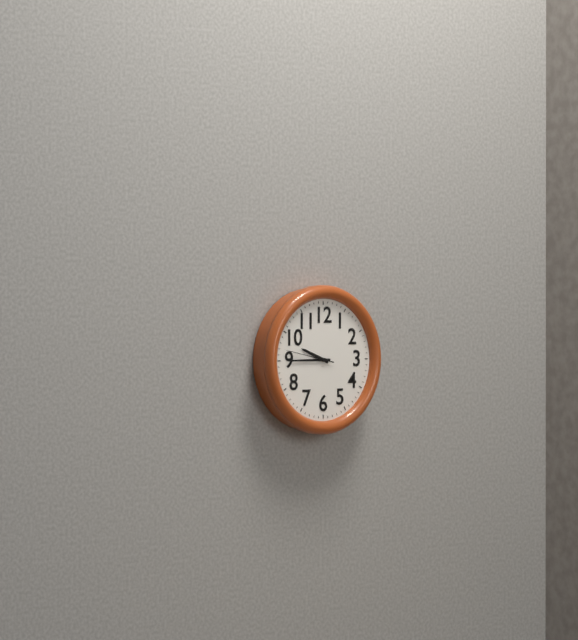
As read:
**9:45**
